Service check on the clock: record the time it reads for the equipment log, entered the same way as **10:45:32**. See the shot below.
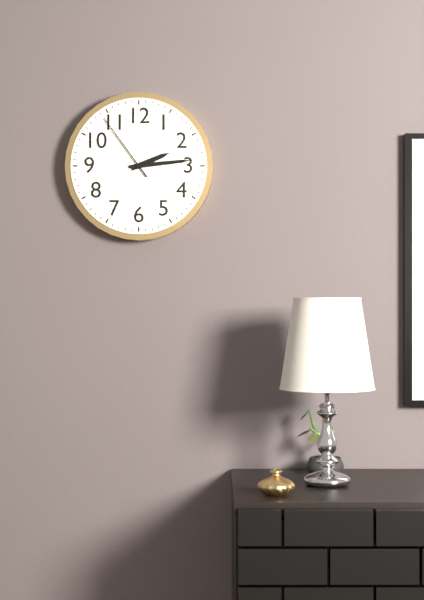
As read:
**2:14:54**
